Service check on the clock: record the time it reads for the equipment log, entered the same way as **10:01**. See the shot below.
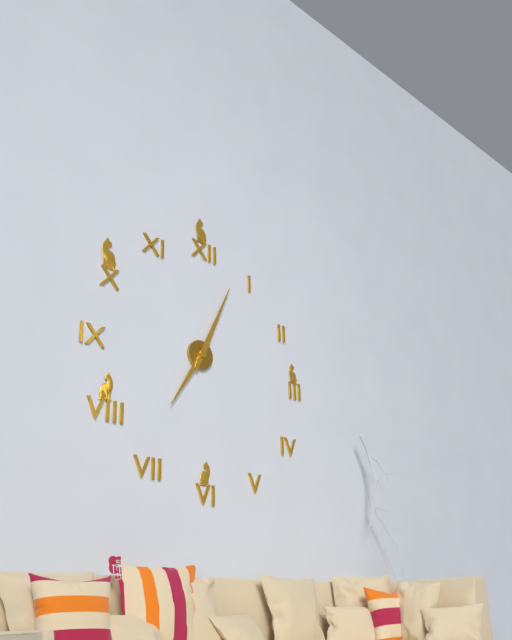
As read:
**7:04**
